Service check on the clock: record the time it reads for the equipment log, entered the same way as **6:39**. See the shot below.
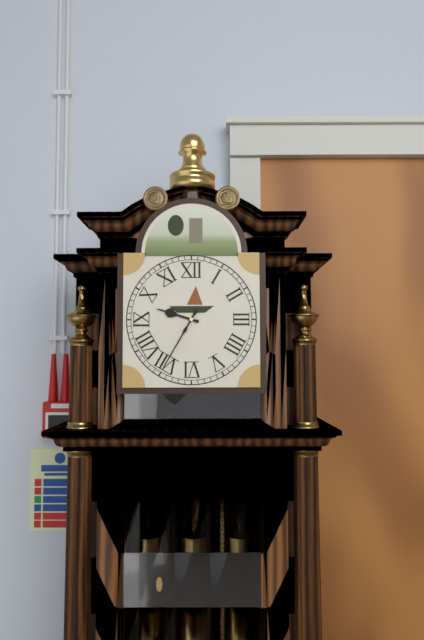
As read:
**9:35**
